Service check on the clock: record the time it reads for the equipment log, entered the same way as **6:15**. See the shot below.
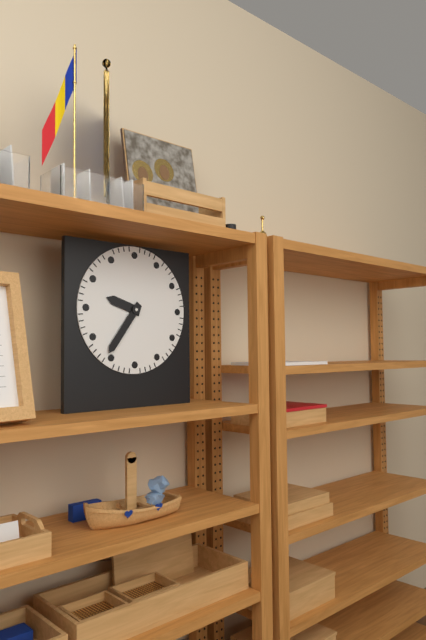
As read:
**9:36**
